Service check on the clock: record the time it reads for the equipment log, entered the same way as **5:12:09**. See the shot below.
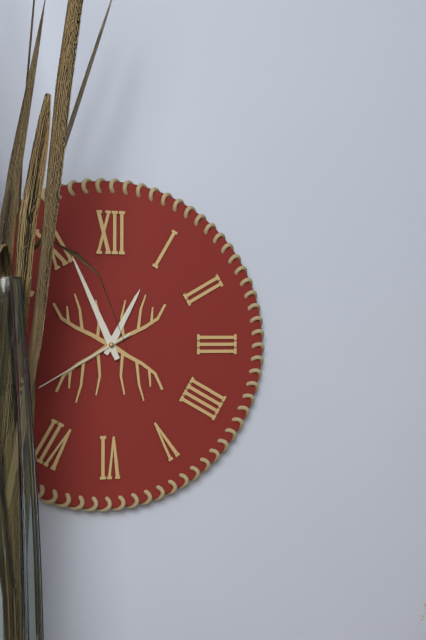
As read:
**12:56:40**
